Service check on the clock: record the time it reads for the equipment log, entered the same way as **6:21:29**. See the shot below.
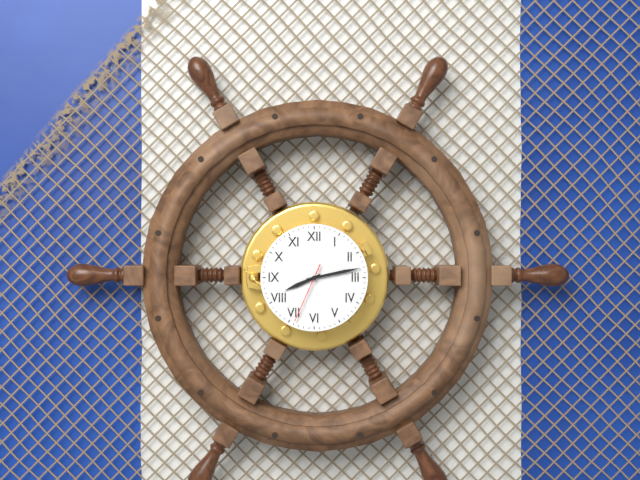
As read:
**8:13:34**
